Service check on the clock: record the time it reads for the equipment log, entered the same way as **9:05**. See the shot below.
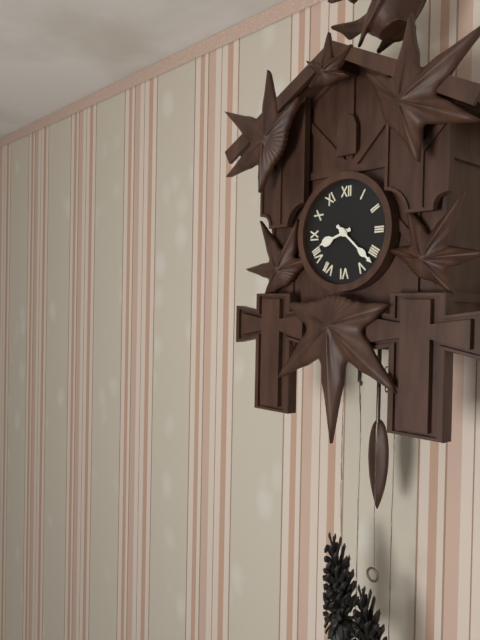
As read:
**8:22**
